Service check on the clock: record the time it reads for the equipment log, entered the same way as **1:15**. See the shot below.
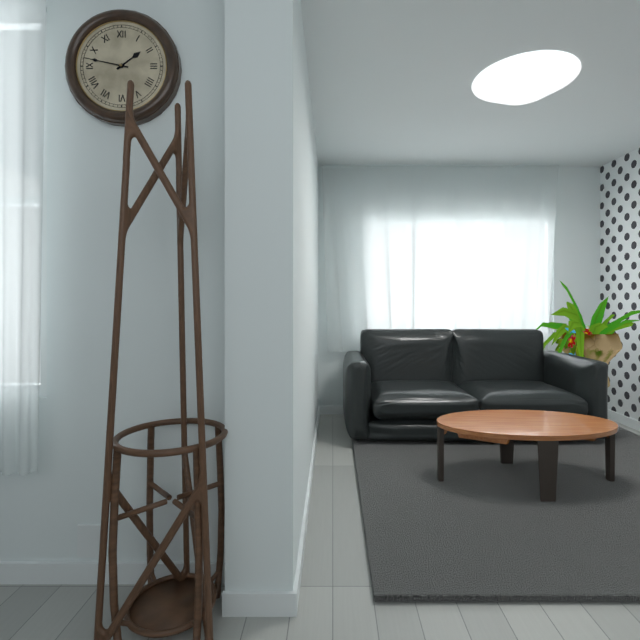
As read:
**1:47**
